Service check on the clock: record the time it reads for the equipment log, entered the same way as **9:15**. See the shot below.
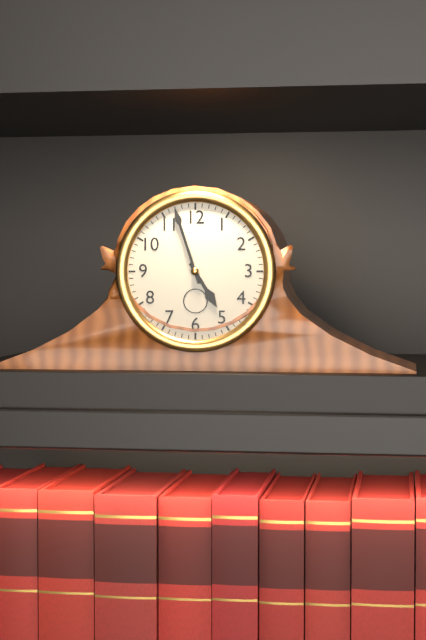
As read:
**4:57**
